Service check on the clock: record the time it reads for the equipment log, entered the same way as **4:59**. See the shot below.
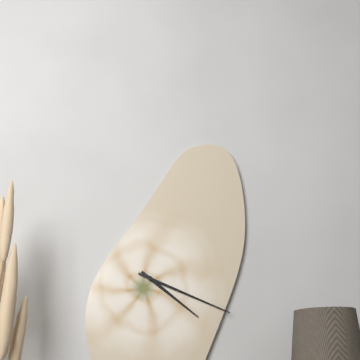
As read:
**4:19**
